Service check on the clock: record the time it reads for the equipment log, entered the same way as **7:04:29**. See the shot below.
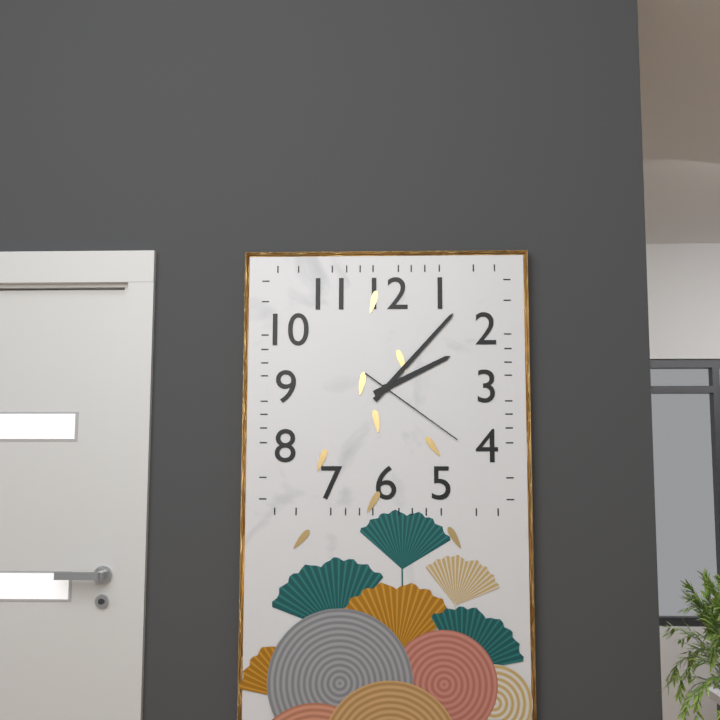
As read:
**2:07:21**
